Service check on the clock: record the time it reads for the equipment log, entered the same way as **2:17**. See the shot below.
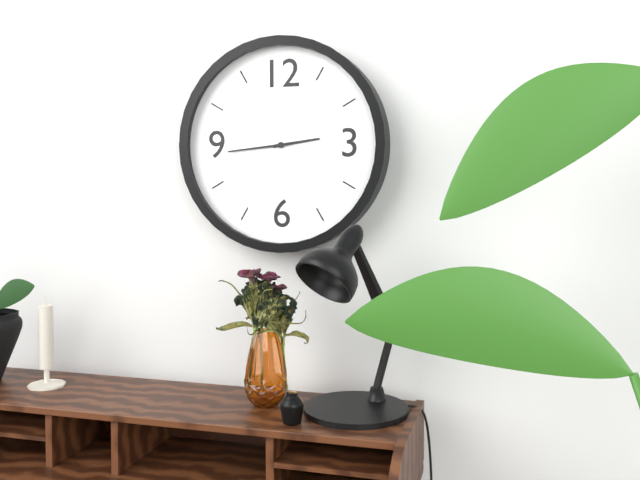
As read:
**2:44**
